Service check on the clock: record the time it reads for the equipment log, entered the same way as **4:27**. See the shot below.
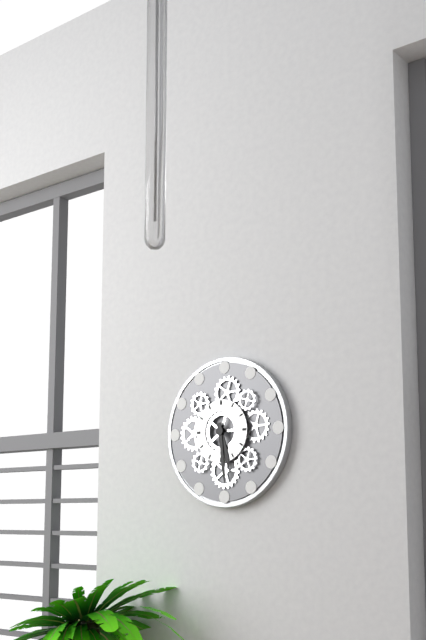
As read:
**5:29**
